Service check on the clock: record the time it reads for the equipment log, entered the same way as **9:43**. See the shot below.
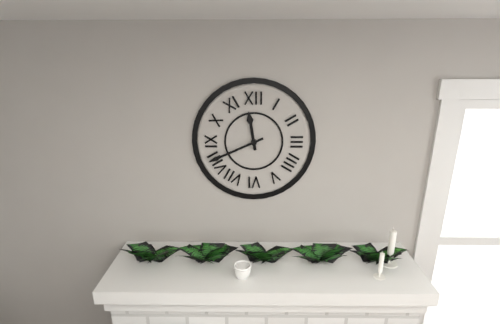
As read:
**11:41**
